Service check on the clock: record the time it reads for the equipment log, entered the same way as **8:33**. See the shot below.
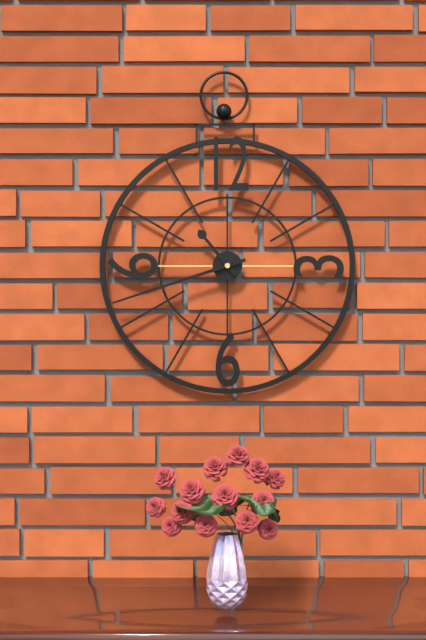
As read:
**10:42**
